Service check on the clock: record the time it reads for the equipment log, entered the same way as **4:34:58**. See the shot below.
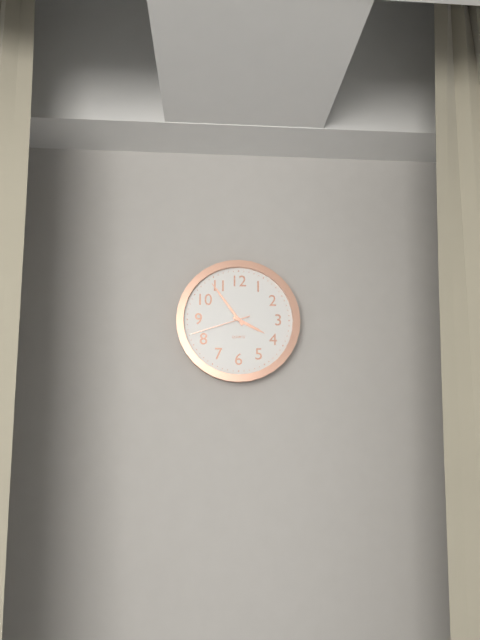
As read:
**3:54:42**
